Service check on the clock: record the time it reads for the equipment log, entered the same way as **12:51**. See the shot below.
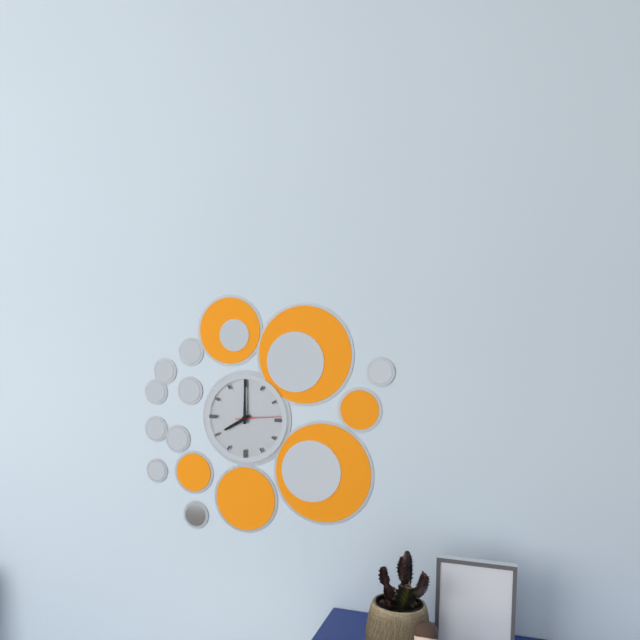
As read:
**8:00**
